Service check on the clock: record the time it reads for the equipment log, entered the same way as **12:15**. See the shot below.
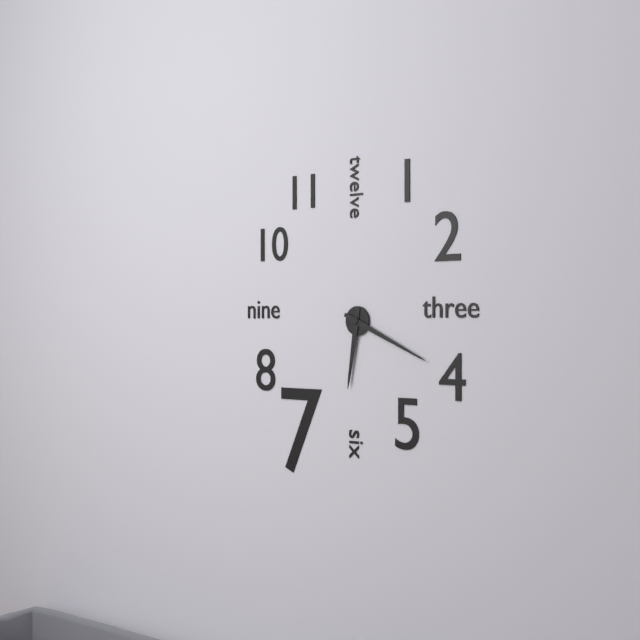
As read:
**6:19**
